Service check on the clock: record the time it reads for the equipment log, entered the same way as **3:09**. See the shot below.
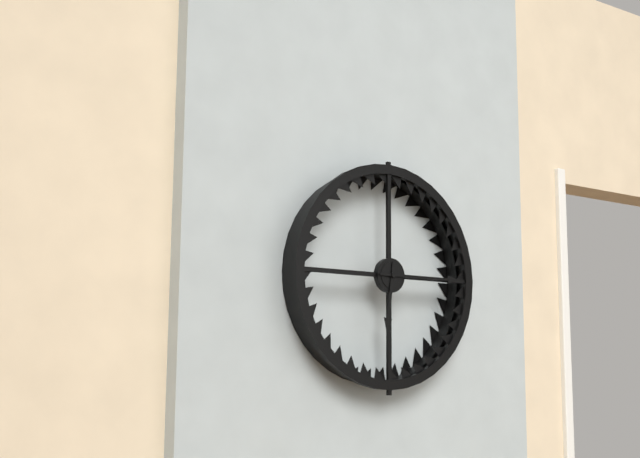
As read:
**6:15**
